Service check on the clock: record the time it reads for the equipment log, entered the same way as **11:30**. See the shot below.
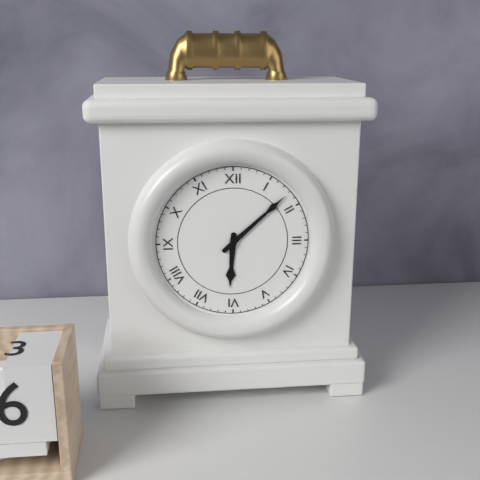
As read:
**6:08**
